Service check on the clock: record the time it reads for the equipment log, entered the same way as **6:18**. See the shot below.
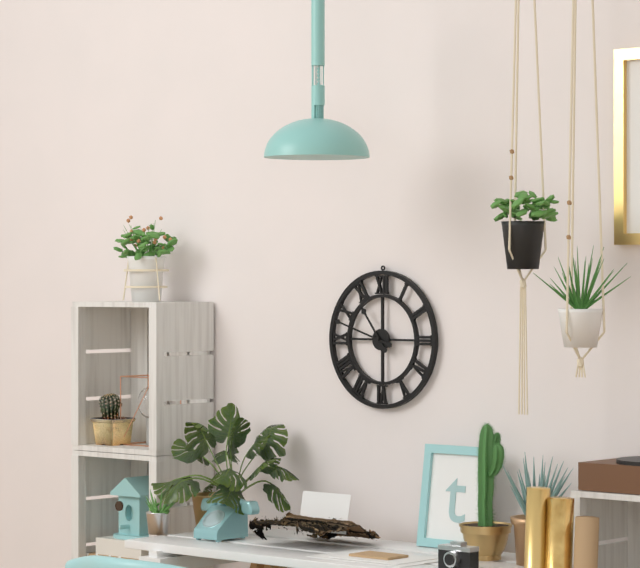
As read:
**10:48**
